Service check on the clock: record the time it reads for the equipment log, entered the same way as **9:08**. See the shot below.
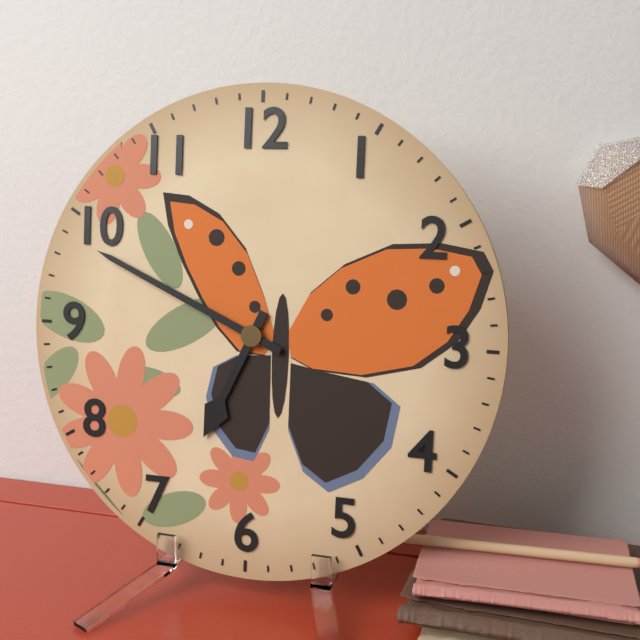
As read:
**6:49**
